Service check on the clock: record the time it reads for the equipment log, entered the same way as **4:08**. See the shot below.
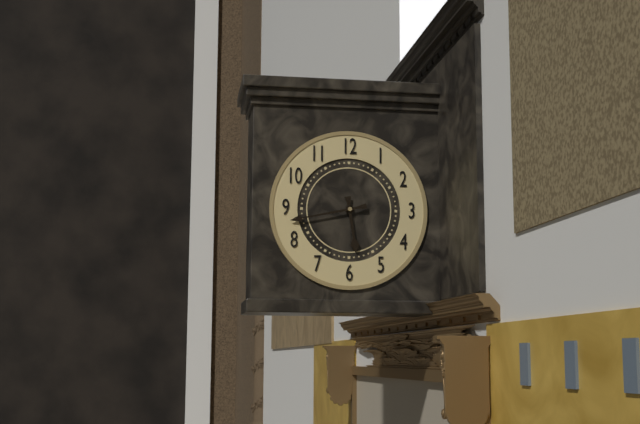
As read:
**5:43**
